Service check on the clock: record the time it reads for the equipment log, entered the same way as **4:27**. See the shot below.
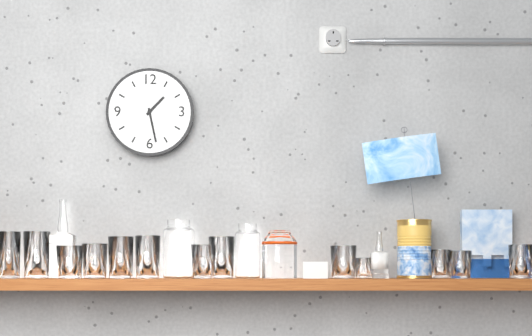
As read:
**1:28**
